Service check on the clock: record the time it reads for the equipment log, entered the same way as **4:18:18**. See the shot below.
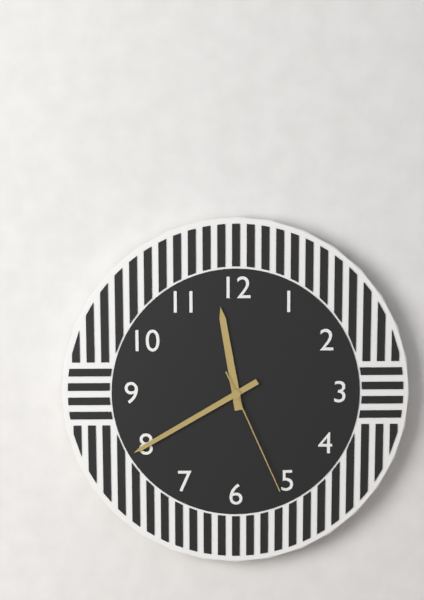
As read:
**11:40:26**
